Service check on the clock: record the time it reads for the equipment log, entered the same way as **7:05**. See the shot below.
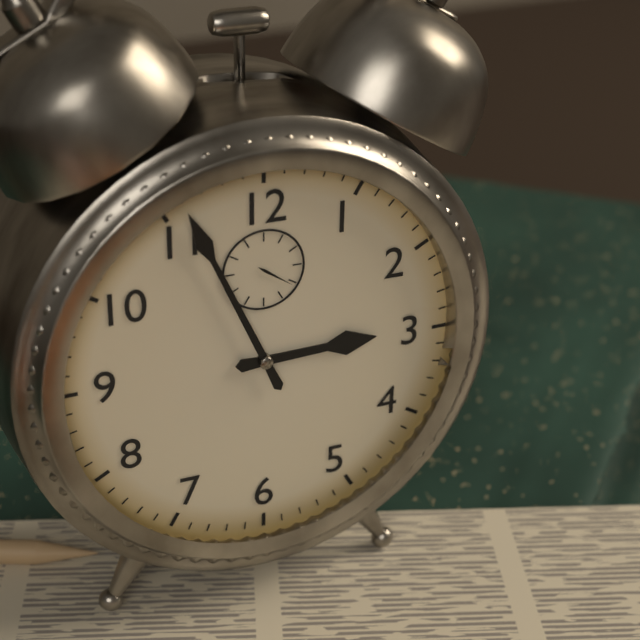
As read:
**2:56**
